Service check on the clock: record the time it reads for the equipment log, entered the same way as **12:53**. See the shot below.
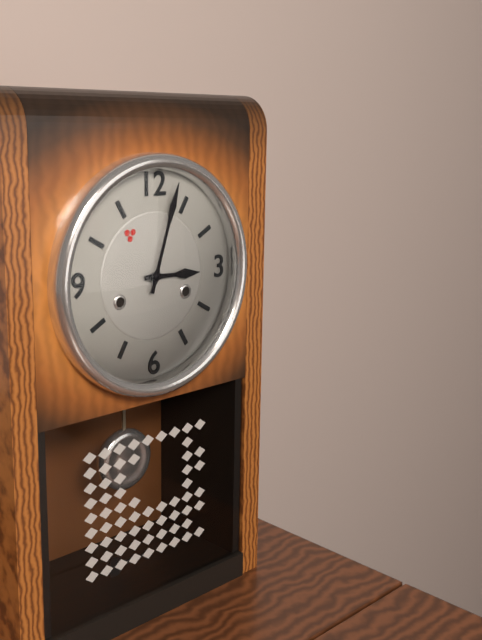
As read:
**3:03**
